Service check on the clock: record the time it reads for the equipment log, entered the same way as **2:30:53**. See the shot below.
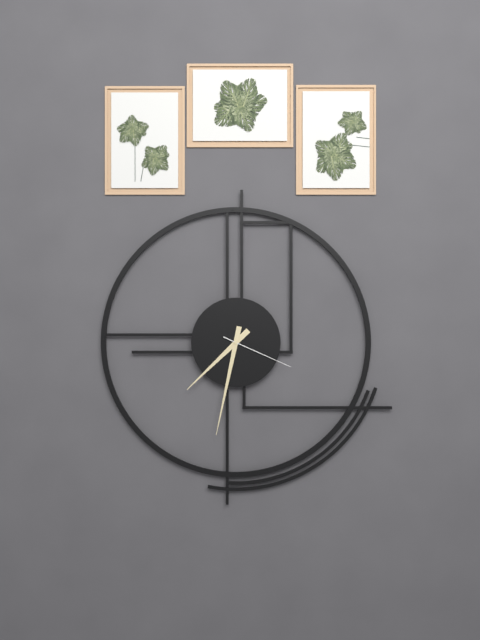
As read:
**7:32:19**
